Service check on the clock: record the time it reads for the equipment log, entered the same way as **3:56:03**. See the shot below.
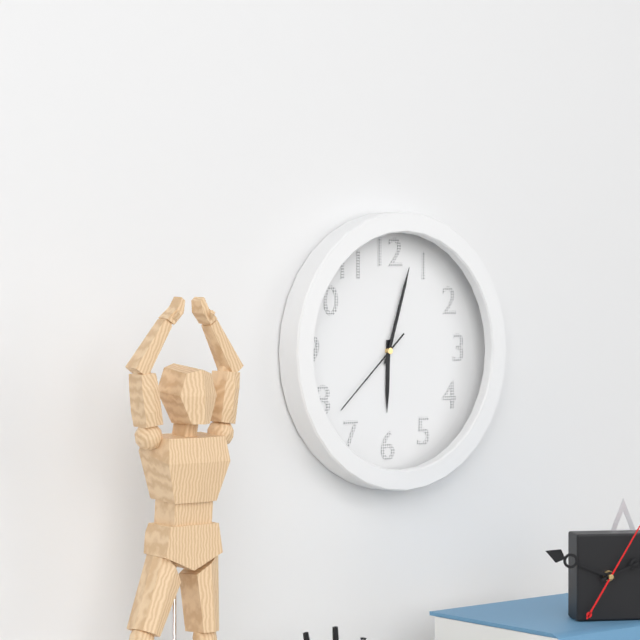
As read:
**6:03:38**
